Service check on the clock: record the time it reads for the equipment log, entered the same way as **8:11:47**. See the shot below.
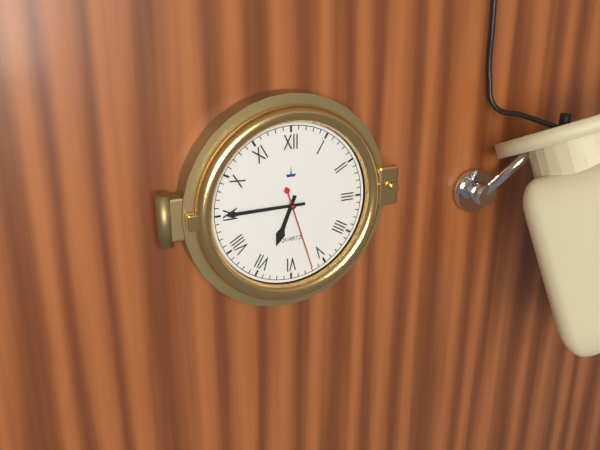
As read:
**6:45:27**
